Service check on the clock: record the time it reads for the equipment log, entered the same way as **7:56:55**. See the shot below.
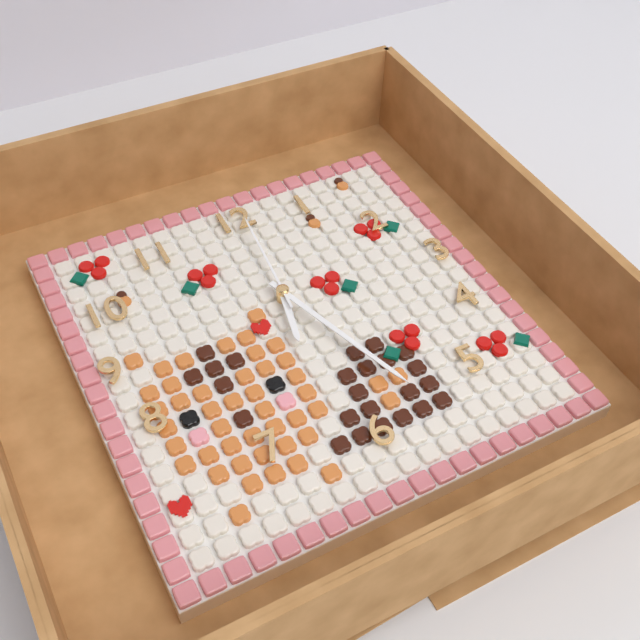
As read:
**6:27:01**
